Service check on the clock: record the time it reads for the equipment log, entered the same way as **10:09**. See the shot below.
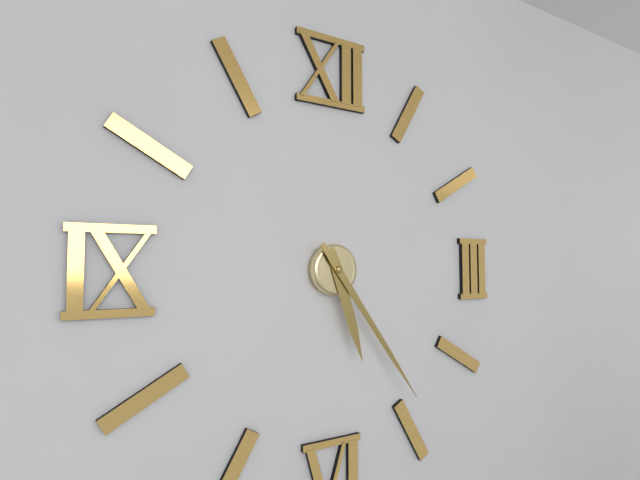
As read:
**5:24**
